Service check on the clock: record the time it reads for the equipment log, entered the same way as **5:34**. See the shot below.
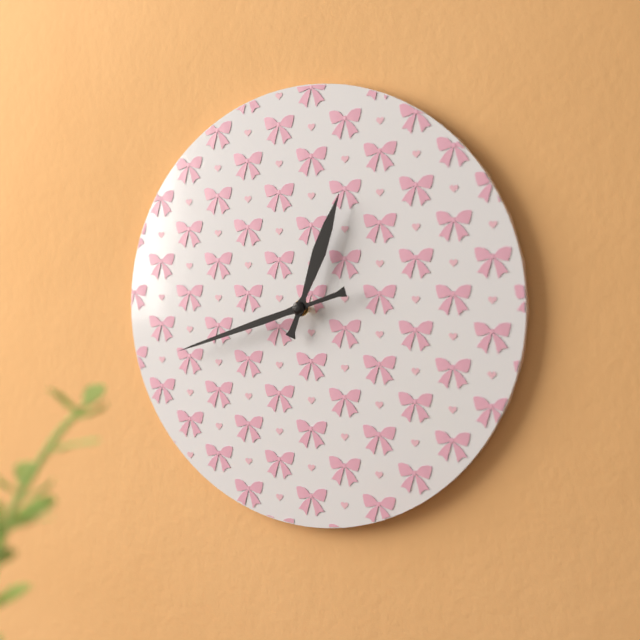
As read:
**12:42**
